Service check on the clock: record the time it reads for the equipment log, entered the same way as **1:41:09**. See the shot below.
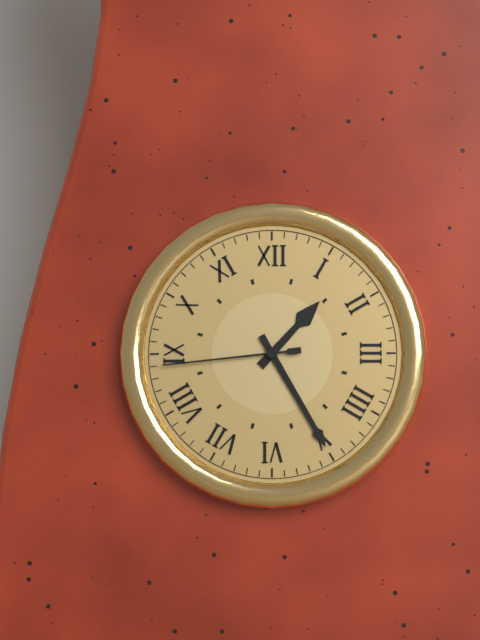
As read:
**1:25:44**
